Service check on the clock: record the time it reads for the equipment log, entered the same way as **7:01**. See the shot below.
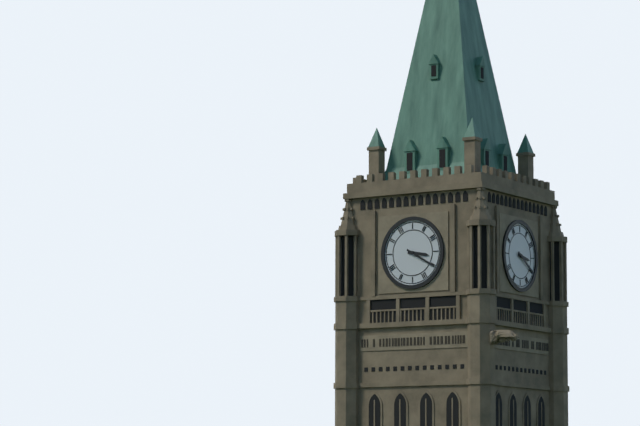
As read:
**3:20**
